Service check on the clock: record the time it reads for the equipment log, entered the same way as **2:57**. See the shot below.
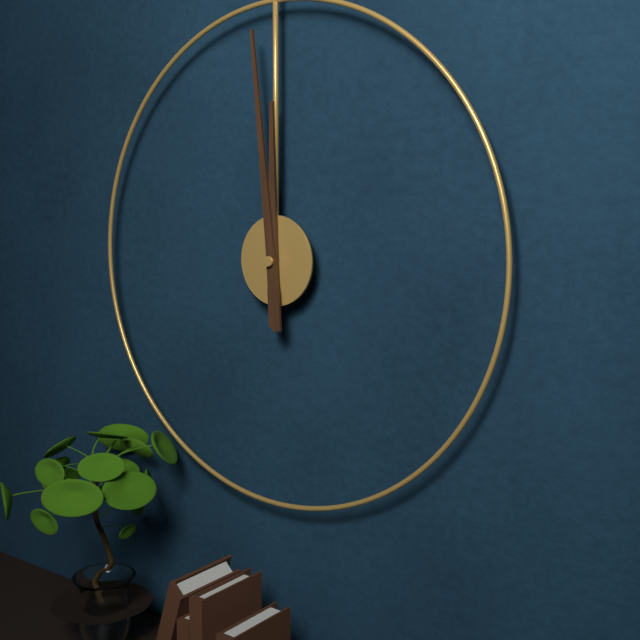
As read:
**11:59**
